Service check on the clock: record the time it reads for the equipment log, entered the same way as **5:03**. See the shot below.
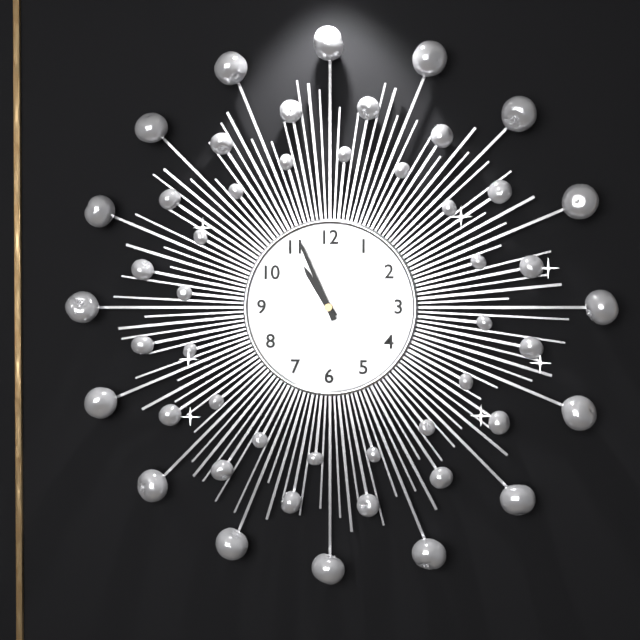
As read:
**10:56**
